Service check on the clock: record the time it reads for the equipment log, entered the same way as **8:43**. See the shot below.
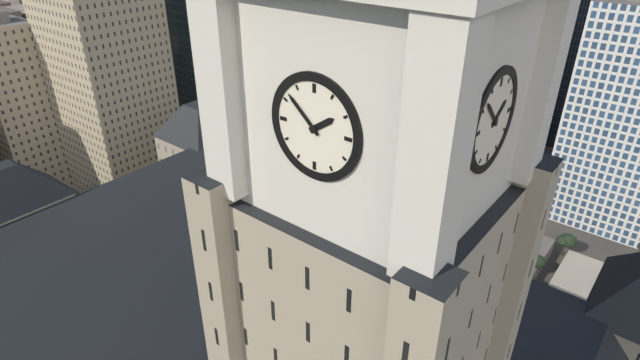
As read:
**1:52**
